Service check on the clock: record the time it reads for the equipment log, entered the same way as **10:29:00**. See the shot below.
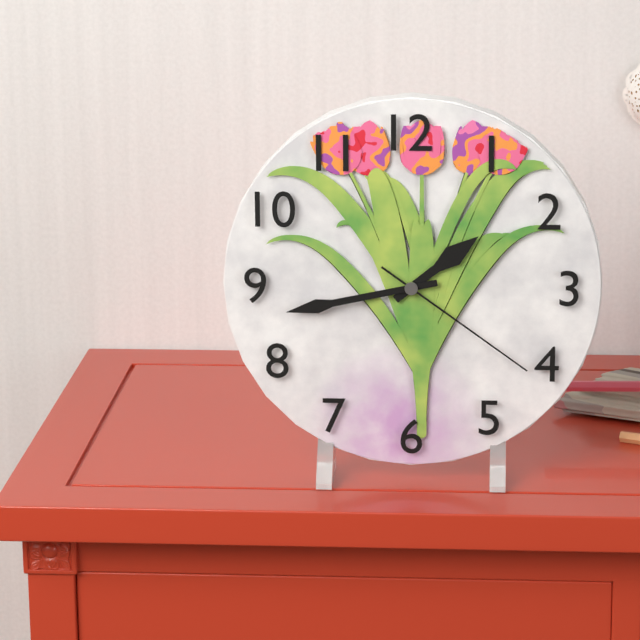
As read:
**1:43:21**
